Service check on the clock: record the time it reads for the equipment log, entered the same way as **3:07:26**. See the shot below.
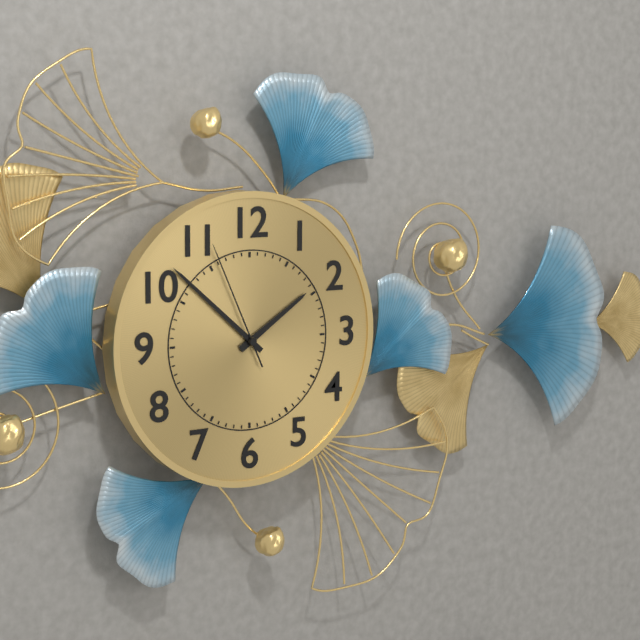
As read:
**1:52:56**
